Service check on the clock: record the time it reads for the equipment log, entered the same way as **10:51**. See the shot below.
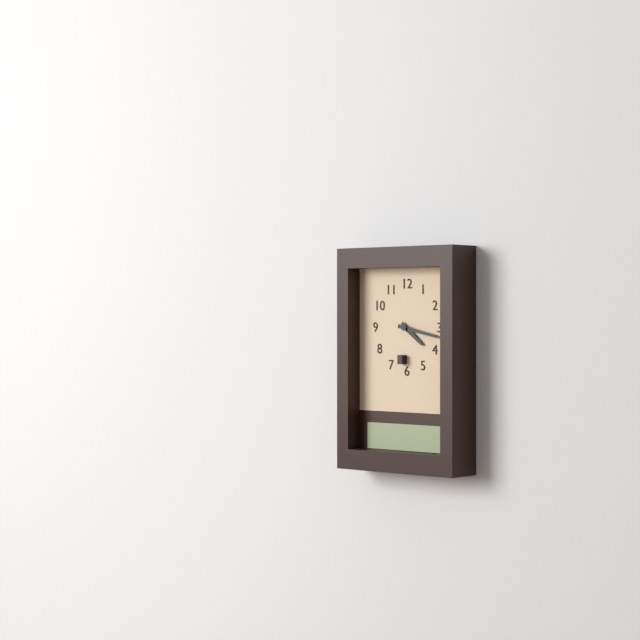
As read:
**4:17**
